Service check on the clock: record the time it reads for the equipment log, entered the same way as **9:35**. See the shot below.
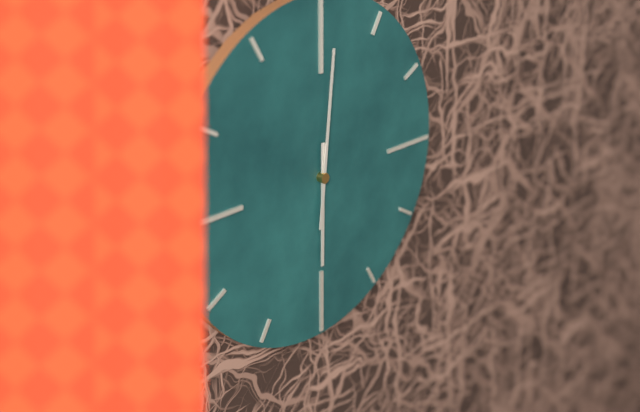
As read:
**6:01**
